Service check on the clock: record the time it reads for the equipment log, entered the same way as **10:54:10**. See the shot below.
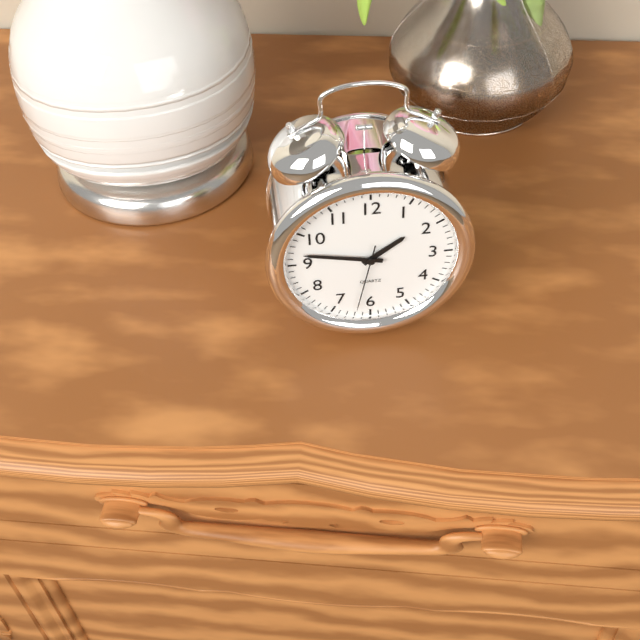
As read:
**1:47:32**
